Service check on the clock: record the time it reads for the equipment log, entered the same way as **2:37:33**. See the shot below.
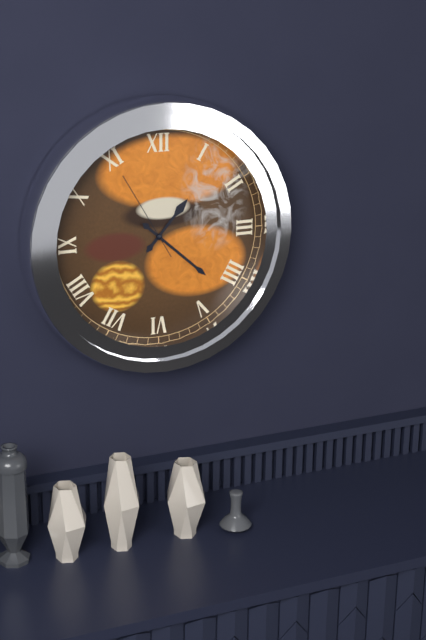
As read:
**1:22:55**
